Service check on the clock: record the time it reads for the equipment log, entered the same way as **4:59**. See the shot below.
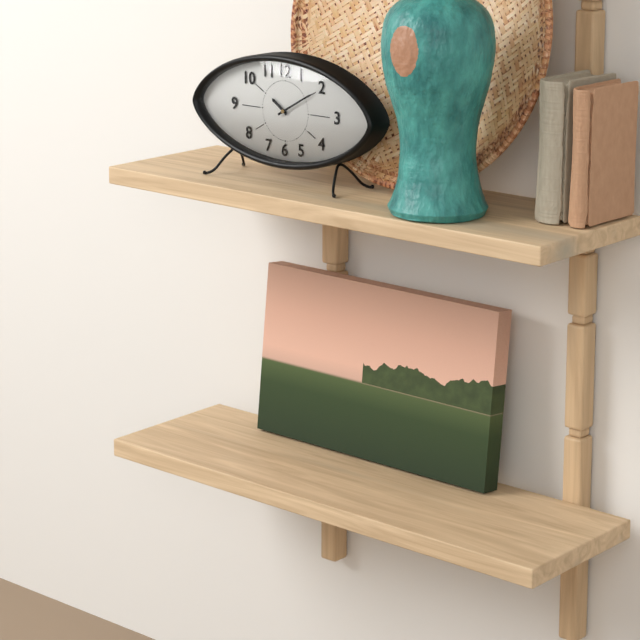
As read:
**10:10**
